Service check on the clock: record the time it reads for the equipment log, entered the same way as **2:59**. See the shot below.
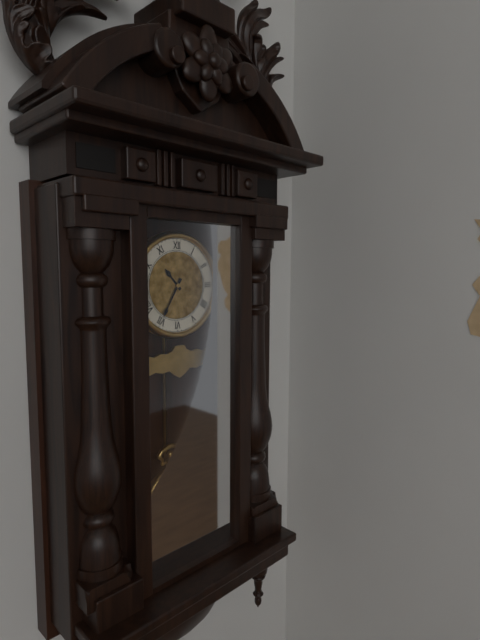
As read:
**10:35**
